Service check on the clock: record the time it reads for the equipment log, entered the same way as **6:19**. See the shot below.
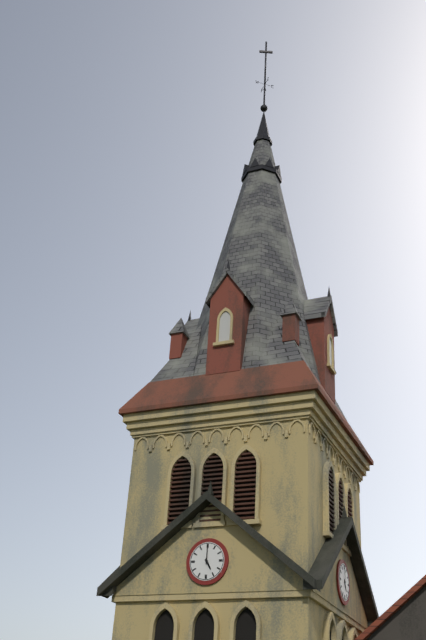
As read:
**5:00**
